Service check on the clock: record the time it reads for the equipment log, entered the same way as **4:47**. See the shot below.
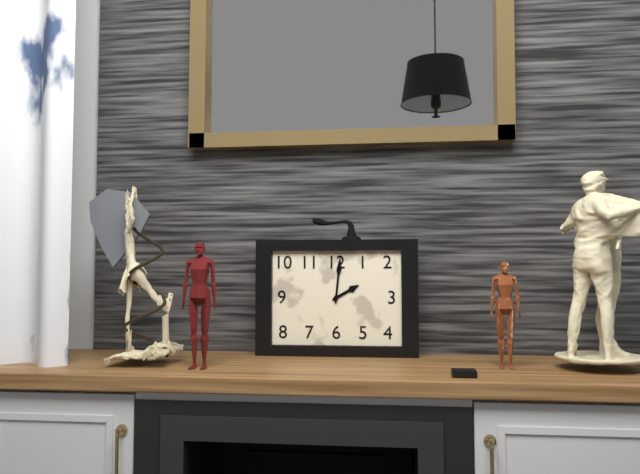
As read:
**2:01**
